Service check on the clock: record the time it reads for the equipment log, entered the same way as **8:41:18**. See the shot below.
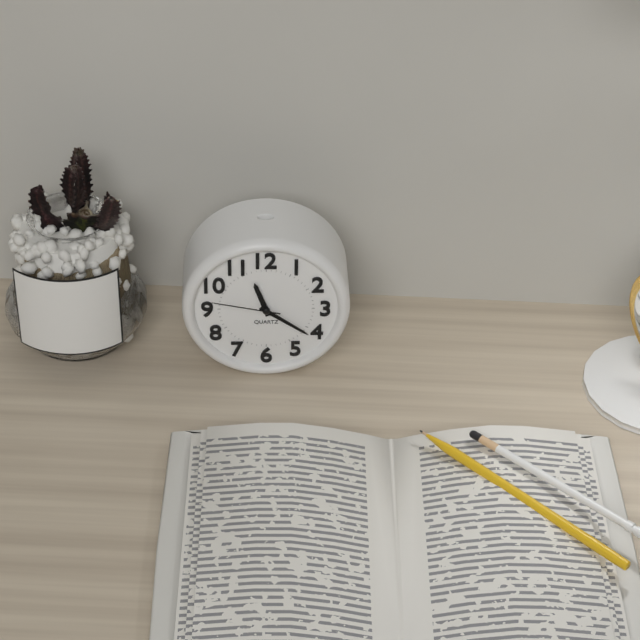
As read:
**11:21:47**
